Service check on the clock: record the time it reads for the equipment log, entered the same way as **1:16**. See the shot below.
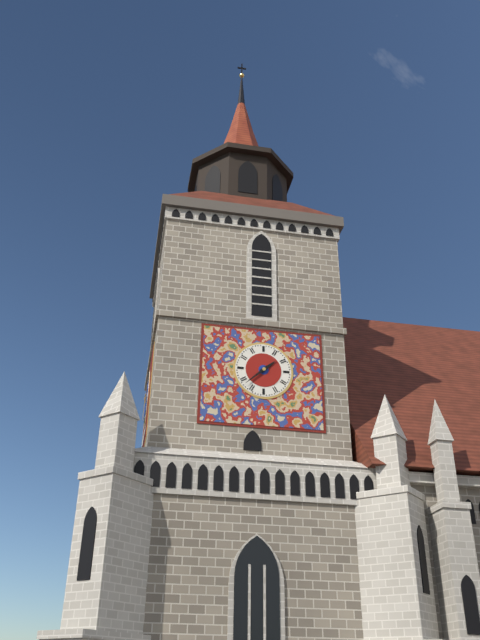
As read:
**1:38**
